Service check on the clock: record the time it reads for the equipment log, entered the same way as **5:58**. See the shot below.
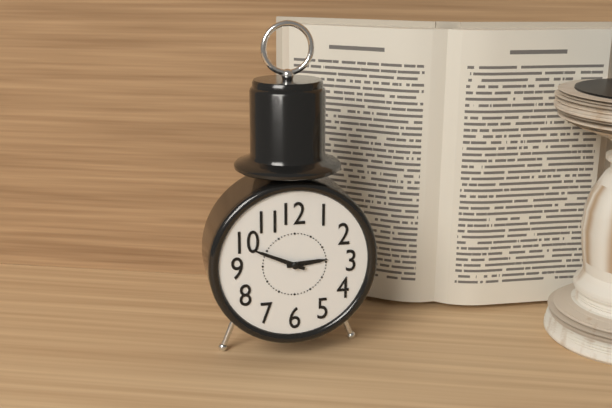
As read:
**2:49**
